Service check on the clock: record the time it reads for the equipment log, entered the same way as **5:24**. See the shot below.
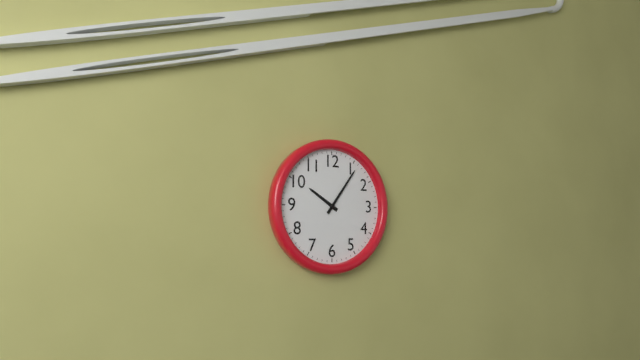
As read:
**10:06**
